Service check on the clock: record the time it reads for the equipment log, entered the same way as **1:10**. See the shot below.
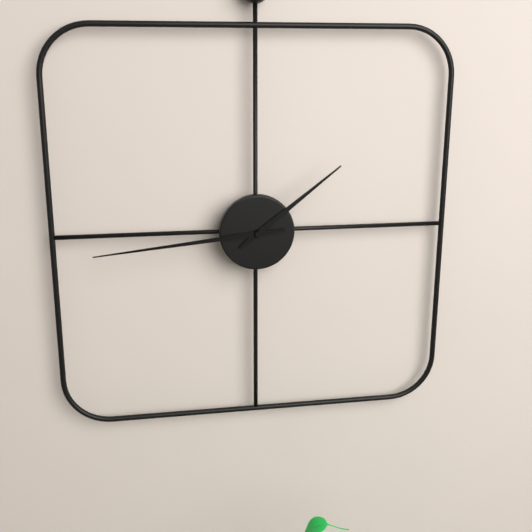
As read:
**1:44**
